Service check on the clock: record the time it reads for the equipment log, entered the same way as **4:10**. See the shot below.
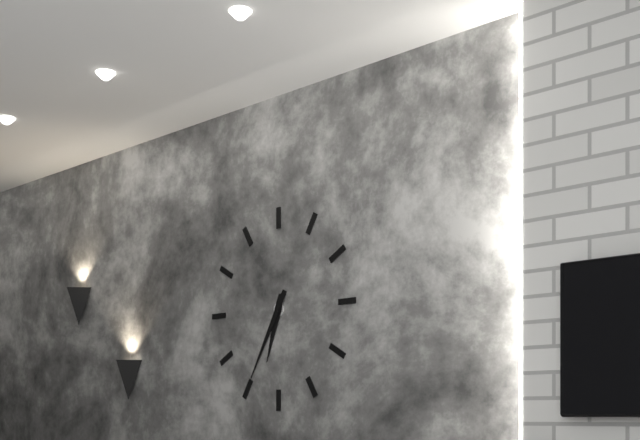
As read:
**6:35**
